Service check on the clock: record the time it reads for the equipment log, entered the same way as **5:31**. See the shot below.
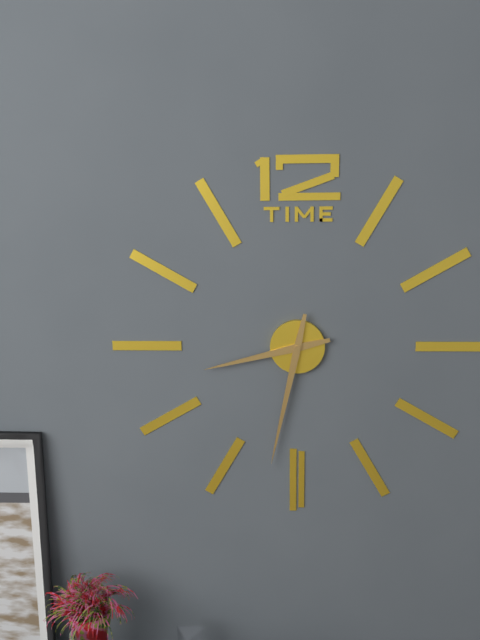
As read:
**8:32**
